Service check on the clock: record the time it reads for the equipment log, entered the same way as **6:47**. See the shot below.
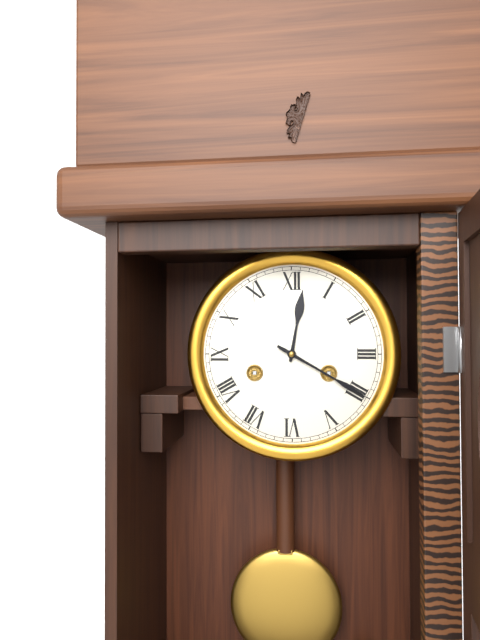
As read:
**12:20**
